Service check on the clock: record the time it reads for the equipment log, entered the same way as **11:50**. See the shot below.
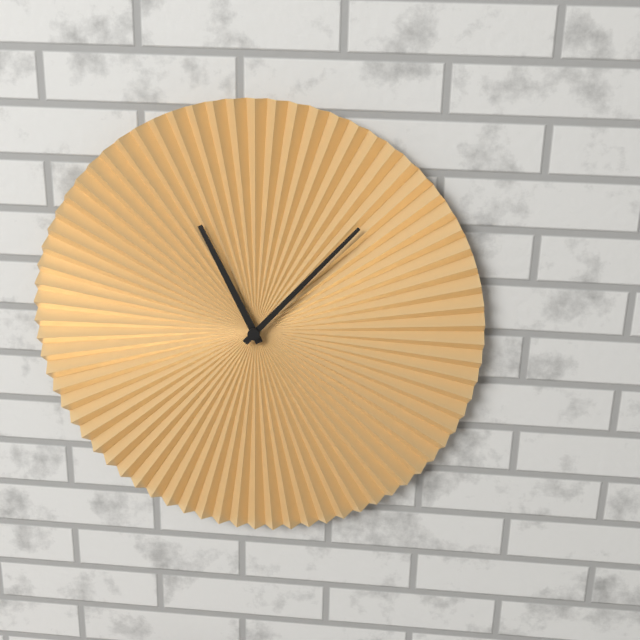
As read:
**11:07**
